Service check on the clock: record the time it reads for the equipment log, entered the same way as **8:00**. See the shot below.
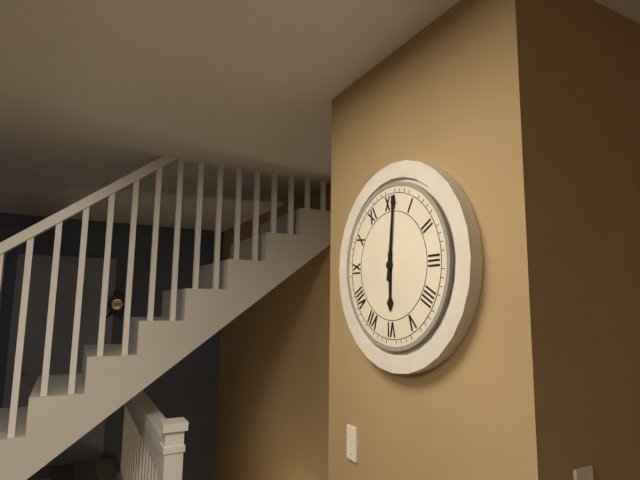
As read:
**6:01**
